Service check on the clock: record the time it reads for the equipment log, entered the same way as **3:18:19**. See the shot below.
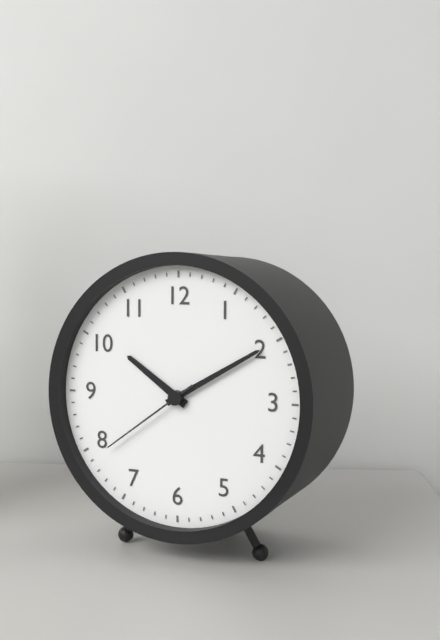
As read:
**10:10:39**
